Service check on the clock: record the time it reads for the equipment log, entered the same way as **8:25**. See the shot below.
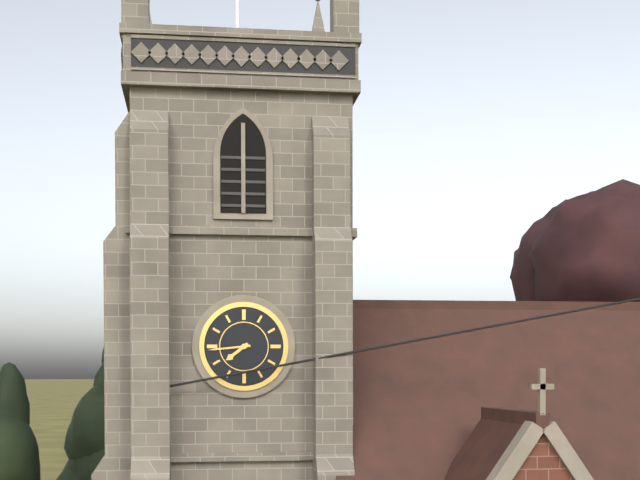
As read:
**7:44**
